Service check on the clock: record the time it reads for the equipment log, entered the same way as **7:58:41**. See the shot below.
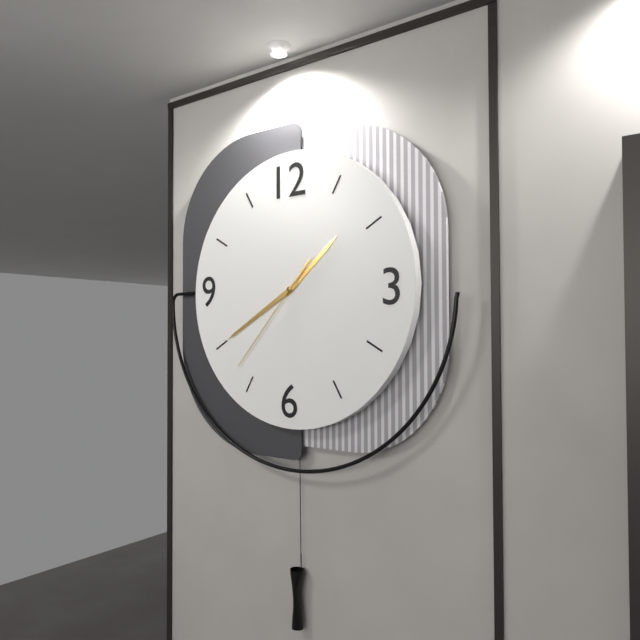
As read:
**1:40:37**
